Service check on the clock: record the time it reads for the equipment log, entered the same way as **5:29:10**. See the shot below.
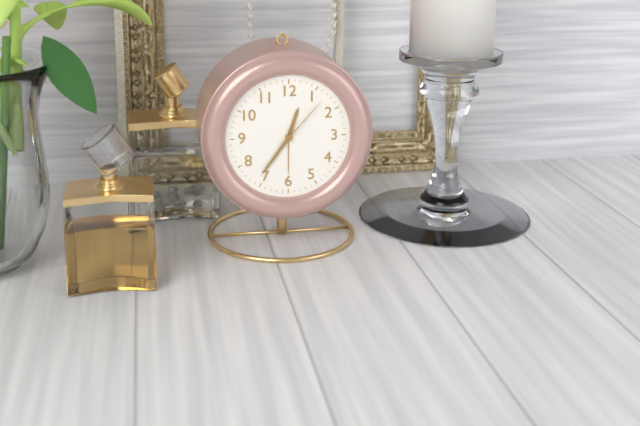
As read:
**12:36:07**
